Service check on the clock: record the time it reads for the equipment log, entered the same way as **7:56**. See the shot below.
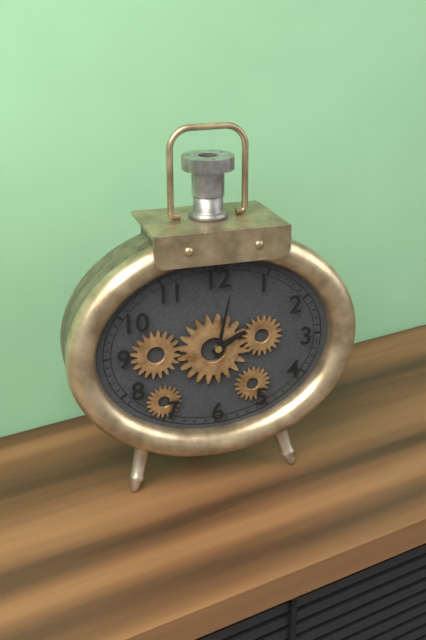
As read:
**2:02**
